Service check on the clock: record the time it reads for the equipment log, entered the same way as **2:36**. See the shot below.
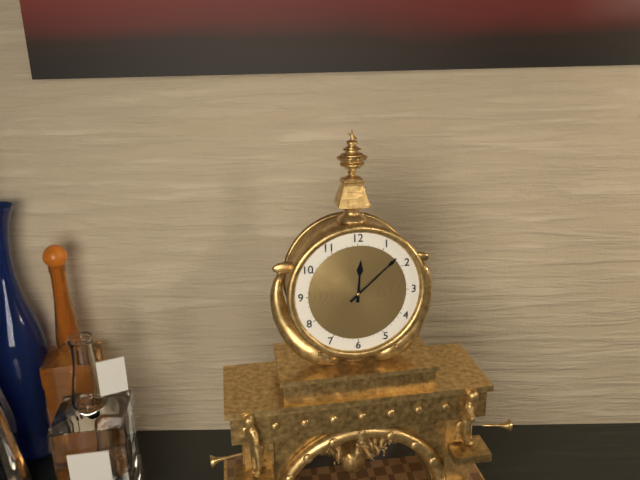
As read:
**12:08**
